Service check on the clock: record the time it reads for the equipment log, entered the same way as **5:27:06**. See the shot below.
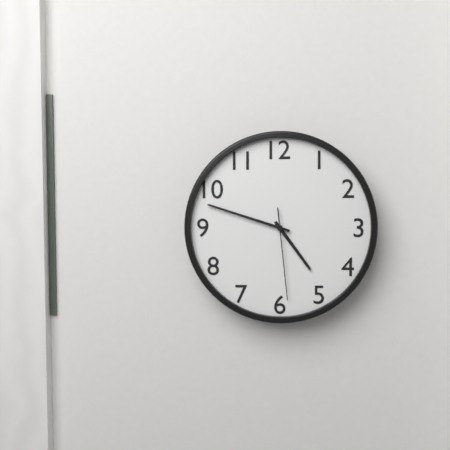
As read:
**4:48:29**
